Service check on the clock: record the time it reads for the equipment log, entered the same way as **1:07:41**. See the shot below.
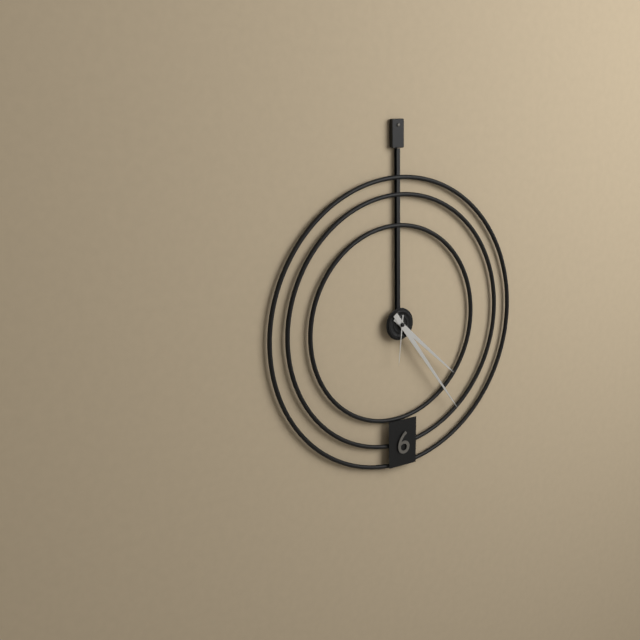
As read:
**4:24:31**
